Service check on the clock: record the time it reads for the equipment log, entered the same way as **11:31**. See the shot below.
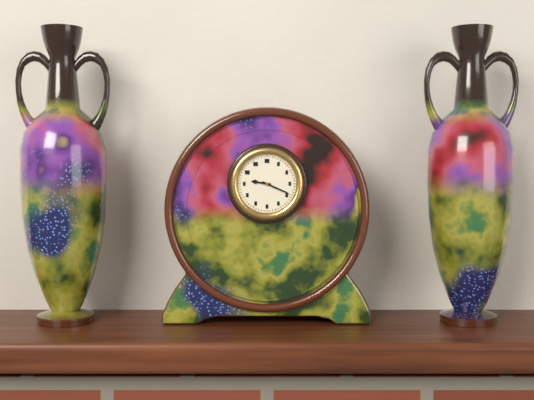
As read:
**9:19**
